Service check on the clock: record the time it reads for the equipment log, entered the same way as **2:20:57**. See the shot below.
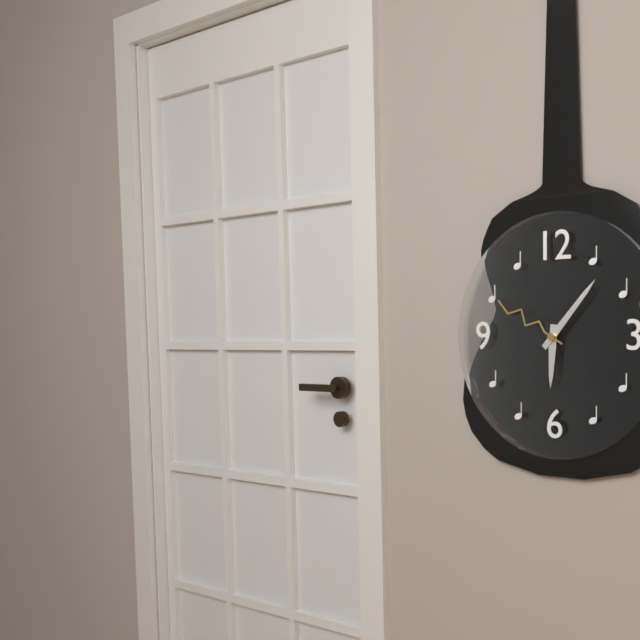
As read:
**6:07:50**
